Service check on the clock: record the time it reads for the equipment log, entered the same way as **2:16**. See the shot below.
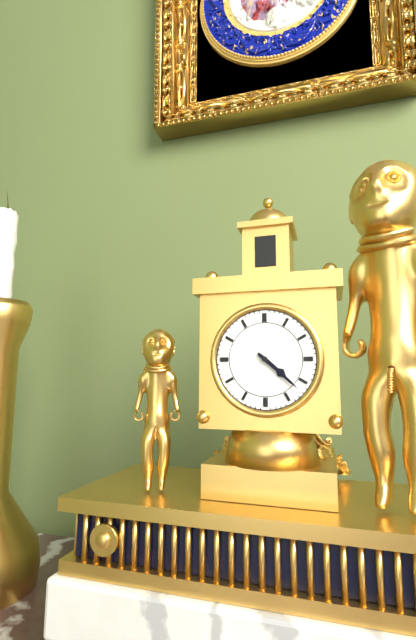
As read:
**4:22**
